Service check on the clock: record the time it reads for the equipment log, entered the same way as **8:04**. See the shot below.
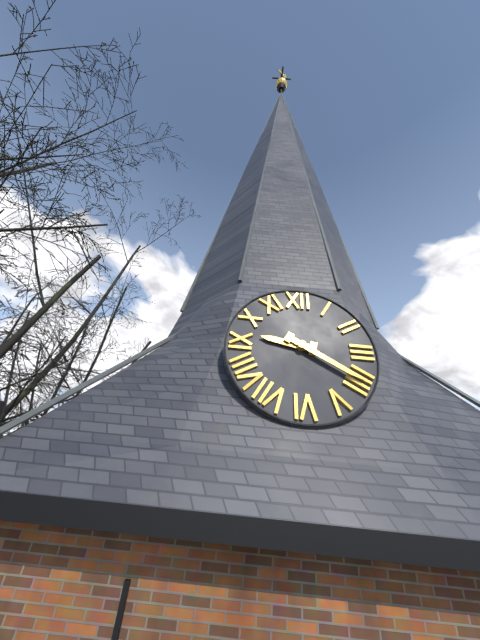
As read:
**9:20**
